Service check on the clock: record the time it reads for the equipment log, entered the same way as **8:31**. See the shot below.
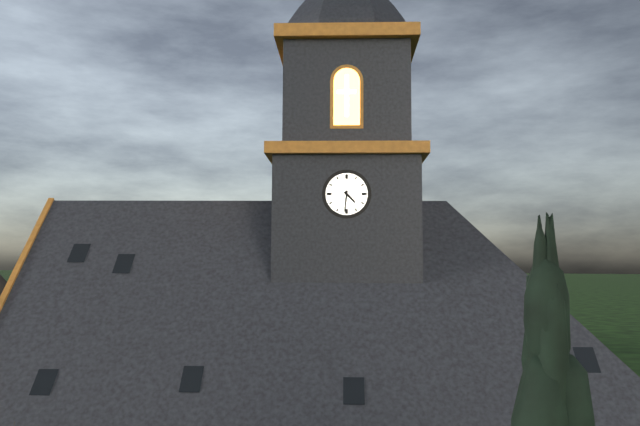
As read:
**4:31**
